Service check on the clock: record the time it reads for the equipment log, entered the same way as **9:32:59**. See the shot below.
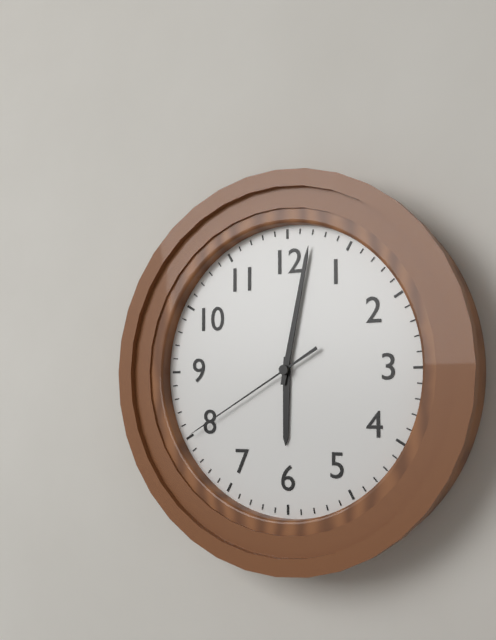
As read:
**6:02:40**
